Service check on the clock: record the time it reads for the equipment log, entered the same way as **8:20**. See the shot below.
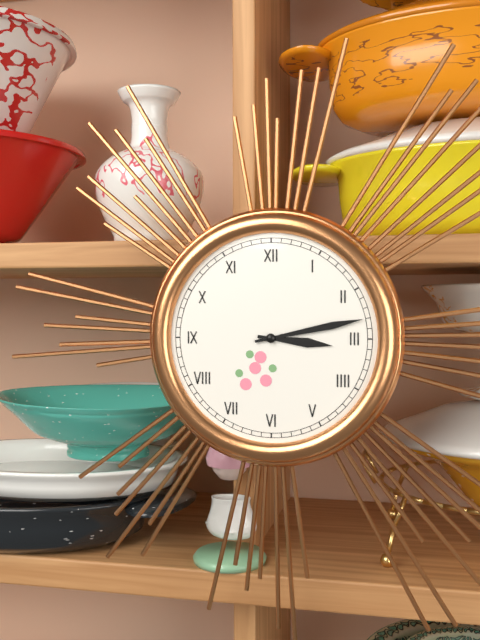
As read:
**3:13**
